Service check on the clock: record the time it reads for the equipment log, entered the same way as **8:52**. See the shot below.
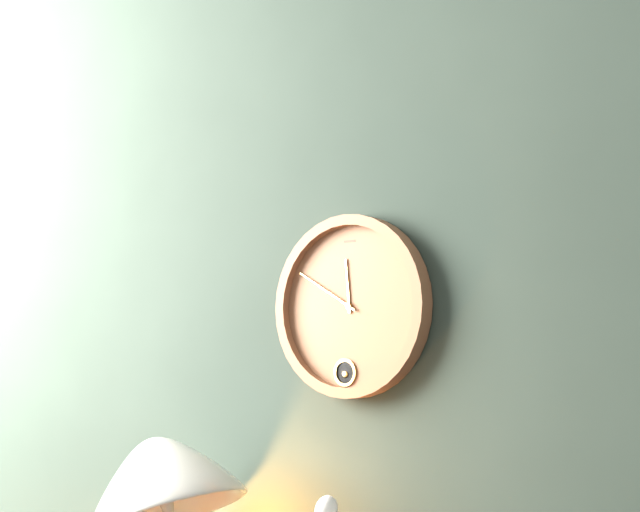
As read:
**11:50**
